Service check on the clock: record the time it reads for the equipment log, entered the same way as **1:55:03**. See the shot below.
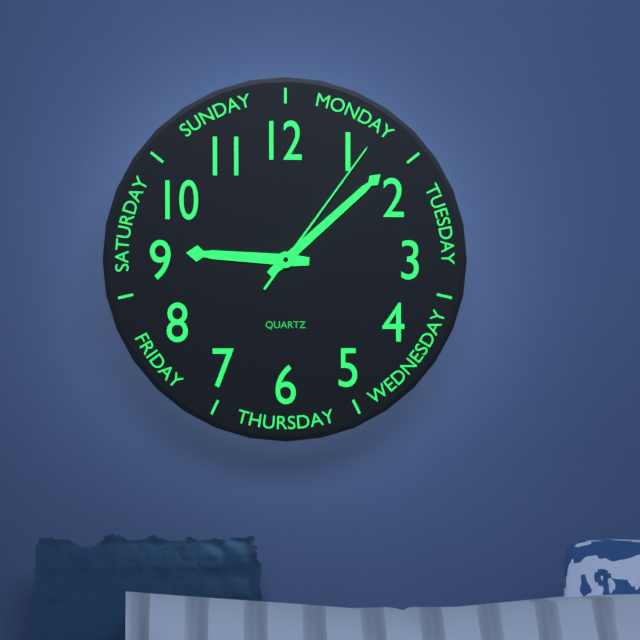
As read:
**9:08:06**
